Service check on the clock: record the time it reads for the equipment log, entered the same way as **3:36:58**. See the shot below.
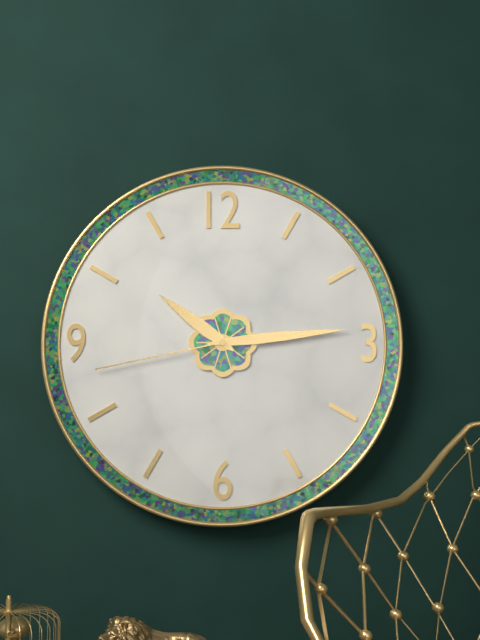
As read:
**10:14:43**
